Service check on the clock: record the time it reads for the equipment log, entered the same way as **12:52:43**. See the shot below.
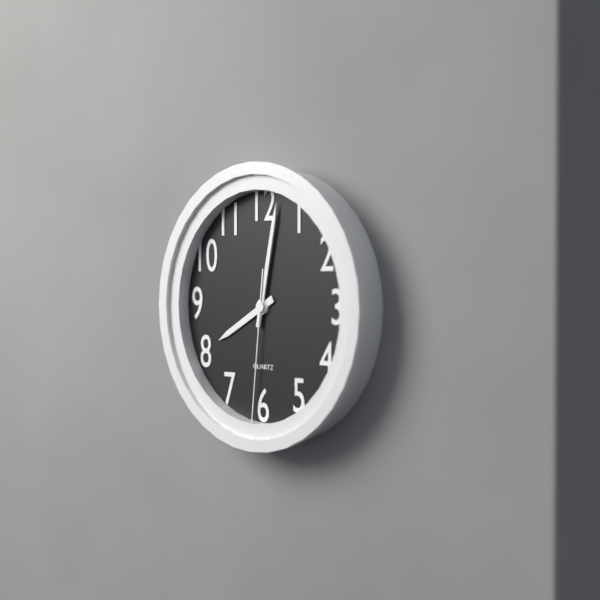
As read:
**8:02:31**
